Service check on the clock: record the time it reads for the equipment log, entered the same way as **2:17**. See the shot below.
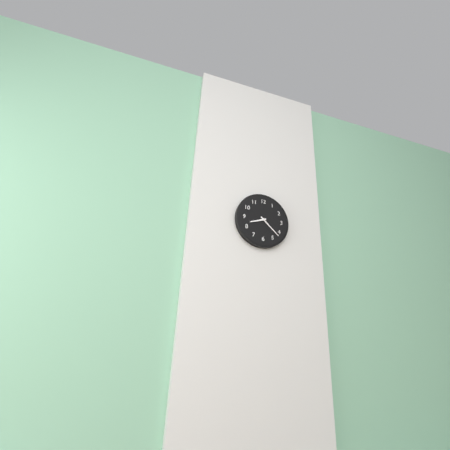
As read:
**8:22**
